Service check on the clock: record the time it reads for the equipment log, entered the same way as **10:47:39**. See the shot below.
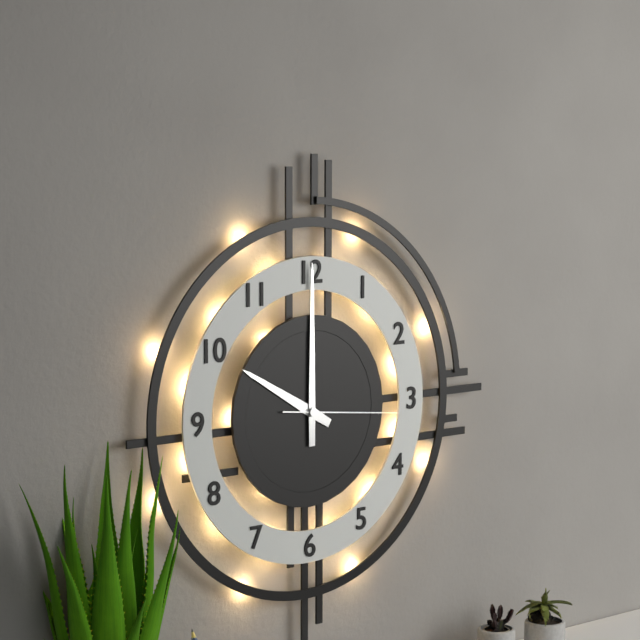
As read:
**10:00:16**
